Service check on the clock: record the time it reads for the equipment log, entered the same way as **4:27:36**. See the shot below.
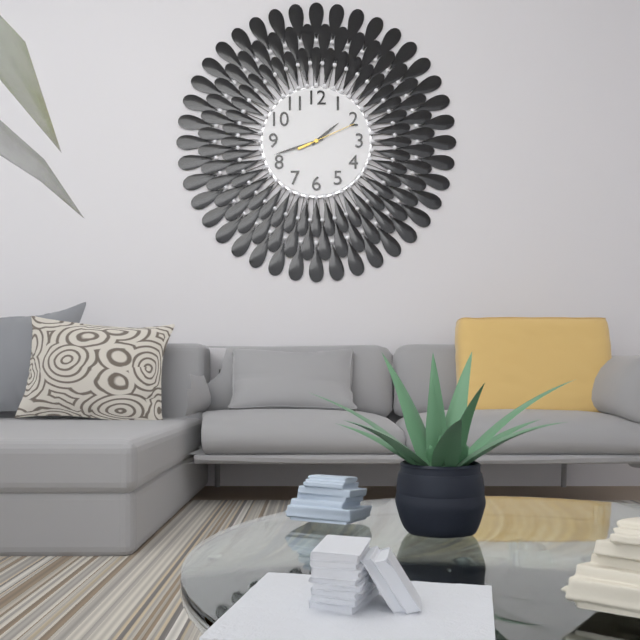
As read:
**1:42:11**
